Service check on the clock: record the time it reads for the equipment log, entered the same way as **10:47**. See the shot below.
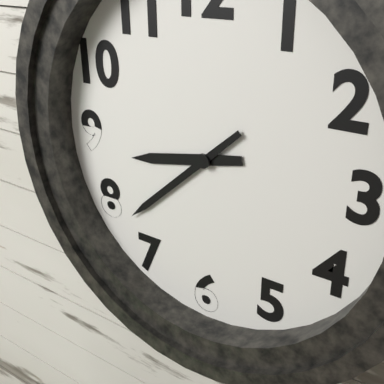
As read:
**8:38**
